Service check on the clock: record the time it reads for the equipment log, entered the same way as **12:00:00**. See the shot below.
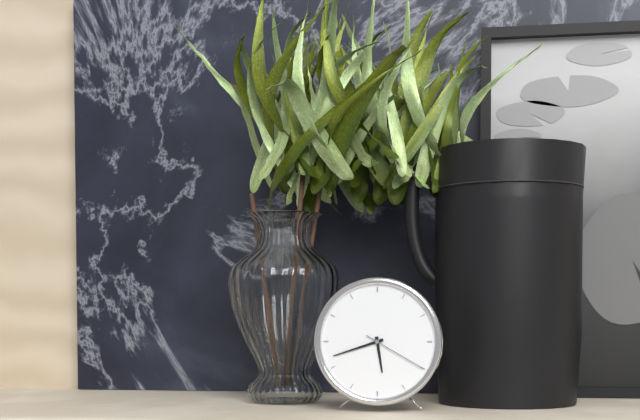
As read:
**5:42:20**
